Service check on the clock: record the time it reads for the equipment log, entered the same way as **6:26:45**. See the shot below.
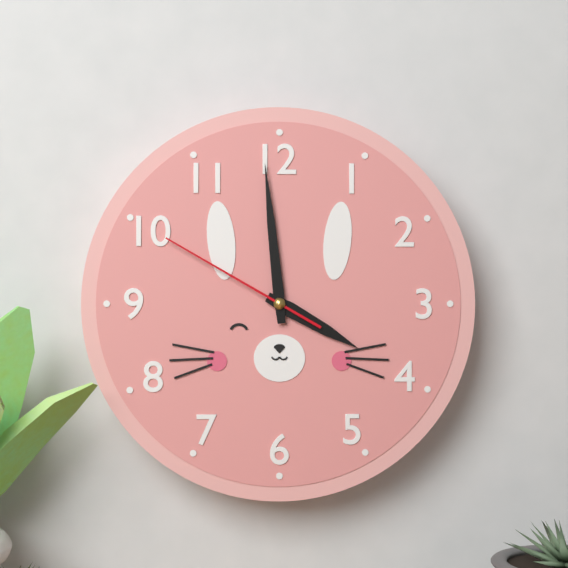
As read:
**3:59:50**
